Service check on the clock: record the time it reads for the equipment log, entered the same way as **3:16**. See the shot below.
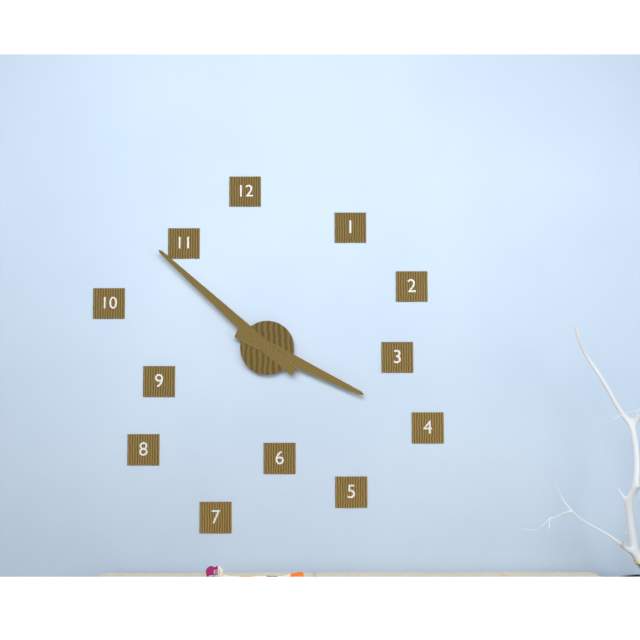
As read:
**3:52**
